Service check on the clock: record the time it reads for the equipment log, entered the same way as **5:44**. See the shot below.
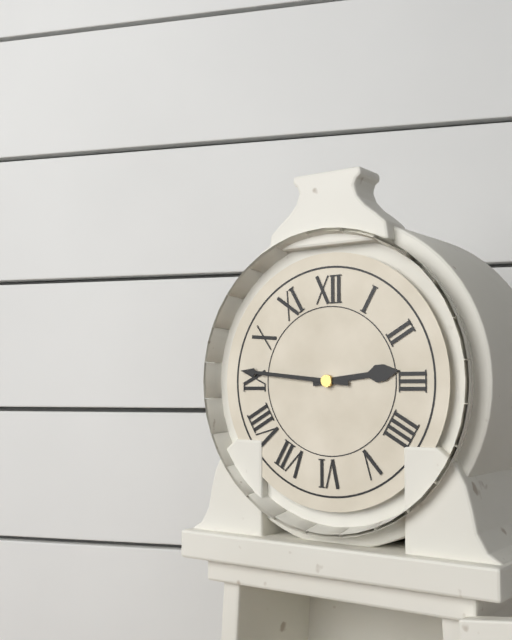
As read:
**2:46**
